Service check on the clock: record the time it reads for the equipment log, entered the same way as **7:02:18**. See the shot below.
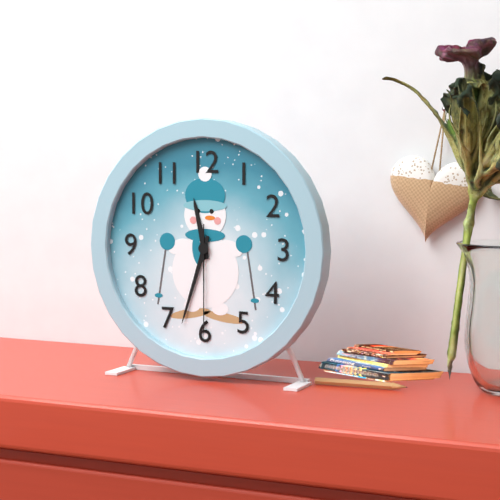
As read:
**11:33:30**
